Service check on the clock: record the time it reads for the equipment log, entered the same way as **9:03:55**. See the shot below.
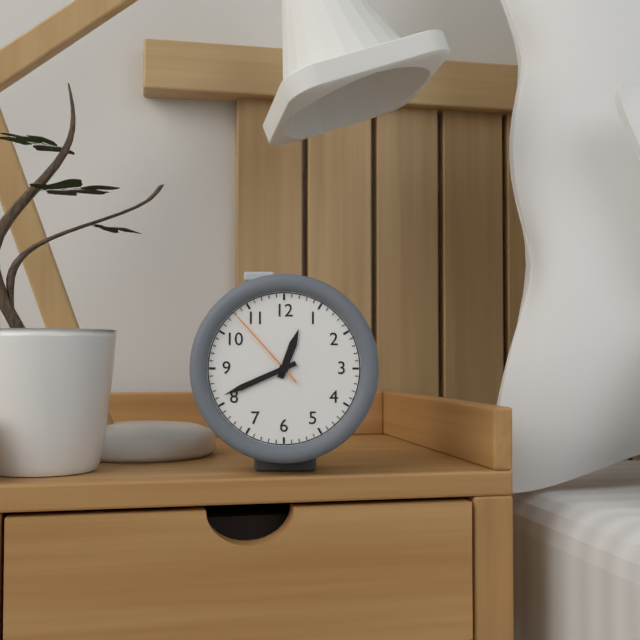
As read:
**12:41:53**
